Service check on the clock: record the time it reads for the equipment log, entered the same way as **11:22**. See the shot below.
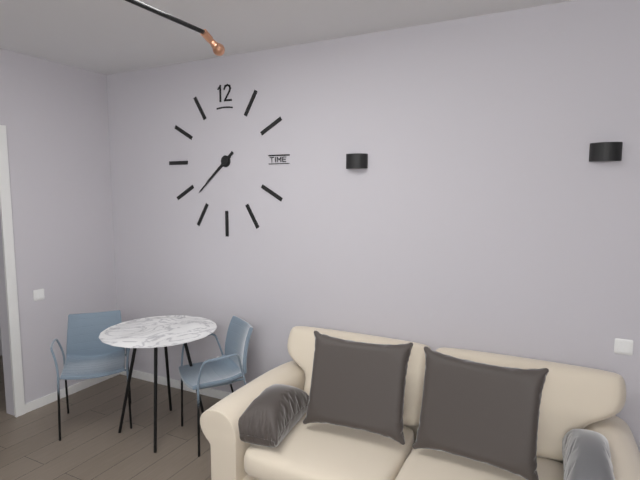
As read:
**7:38**
